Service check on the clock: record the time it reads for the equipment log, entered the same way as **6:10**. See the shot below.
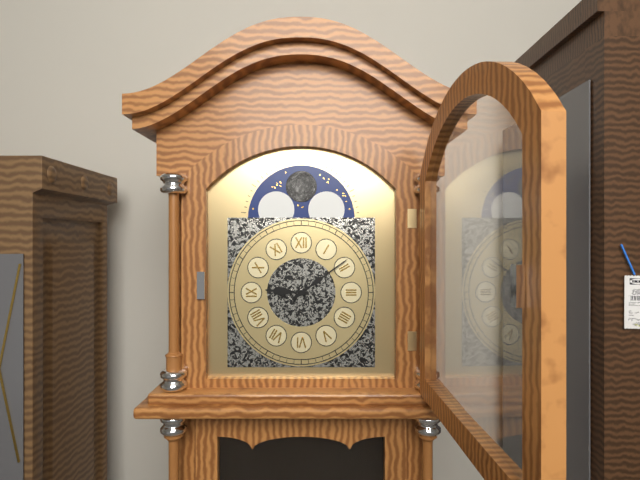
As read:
**9:09**
